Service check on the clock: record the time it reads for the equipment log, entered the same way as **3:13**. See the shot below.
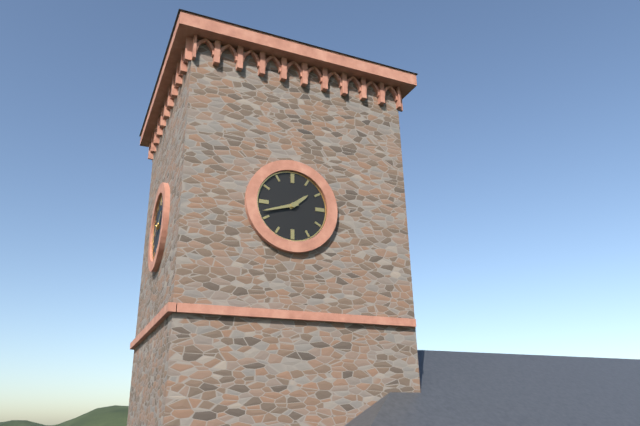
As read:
**1:42**
